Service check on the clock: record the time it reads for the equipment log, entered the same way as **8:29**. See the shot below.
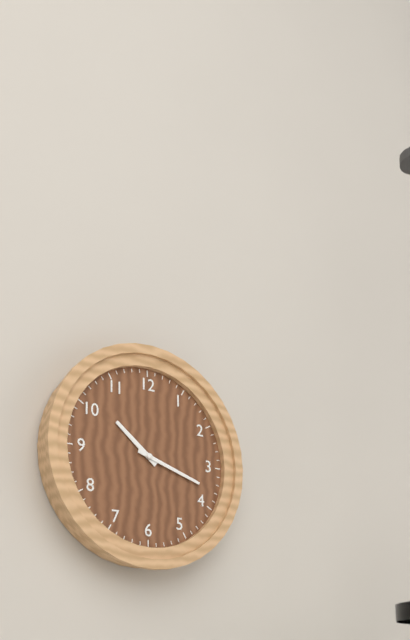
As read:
**10:18**
